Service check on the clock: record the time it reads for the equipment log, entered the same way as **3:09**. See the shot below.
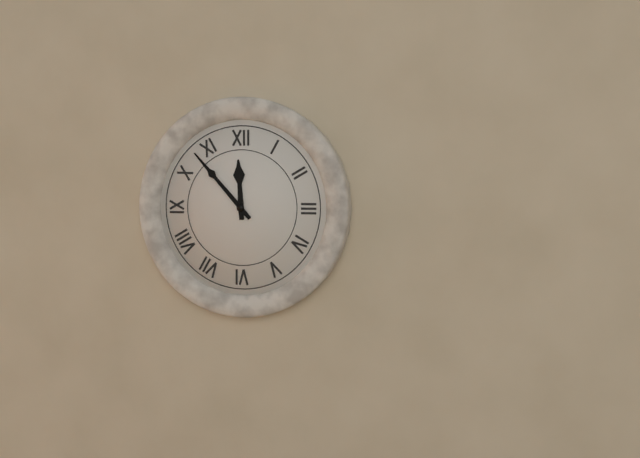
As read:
**11:53**
